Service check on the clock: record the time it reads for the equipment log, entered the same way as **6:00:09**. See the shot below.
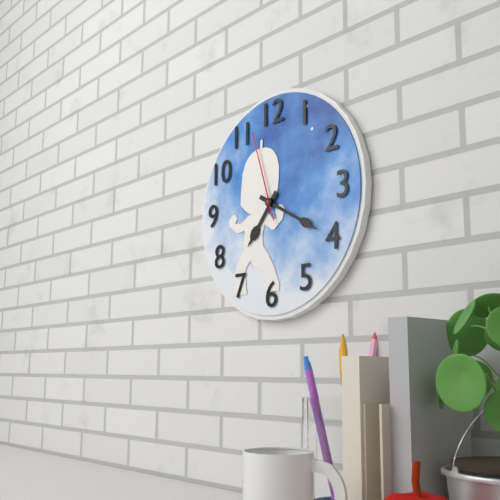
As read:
**7:20:57**
